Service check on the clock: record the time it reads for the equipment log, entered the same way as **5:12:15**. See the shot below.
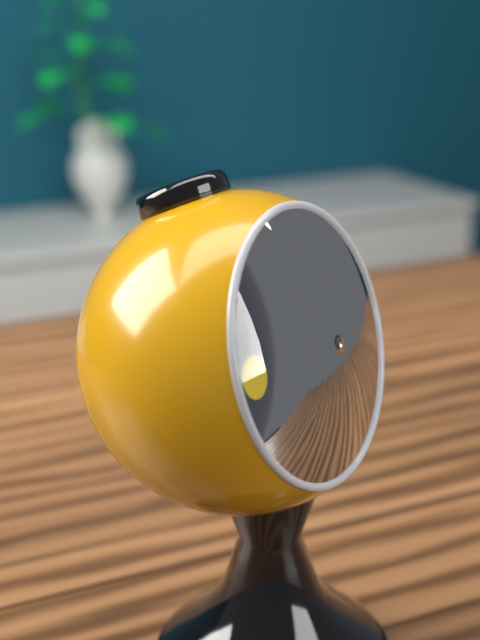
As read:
**4:04:13**
